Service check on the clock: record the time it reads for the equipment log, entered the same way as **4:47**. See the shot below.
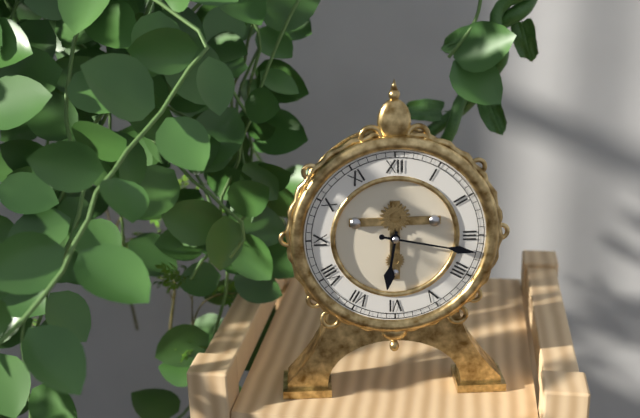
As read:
**6:17**
